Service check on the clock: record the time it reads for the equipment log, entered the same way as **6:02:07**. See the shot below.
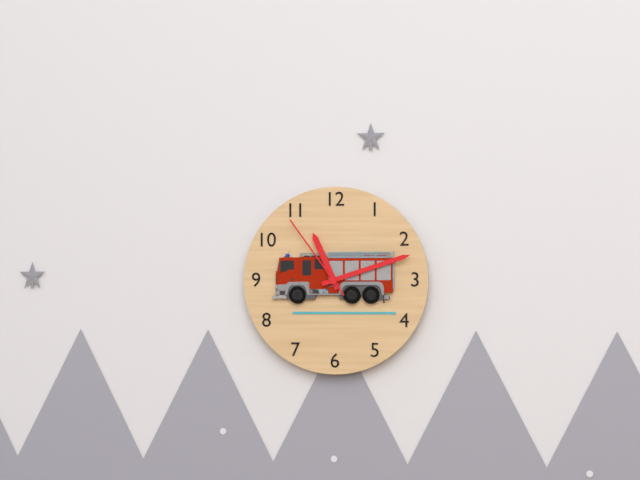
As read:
**11:12:54**
